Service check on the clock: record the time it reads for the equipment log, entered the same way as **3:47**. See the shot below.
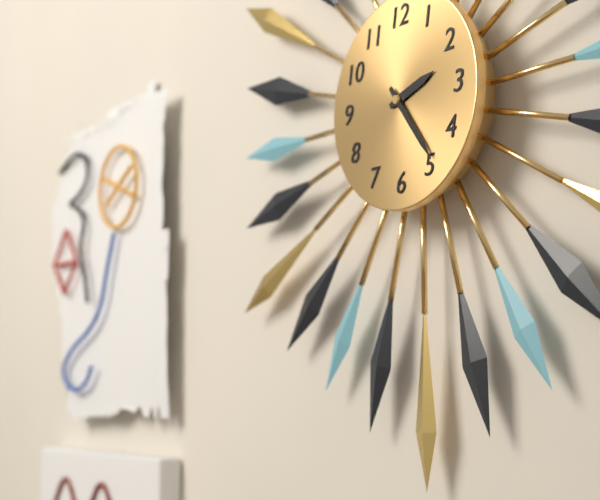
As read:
**2:24**
